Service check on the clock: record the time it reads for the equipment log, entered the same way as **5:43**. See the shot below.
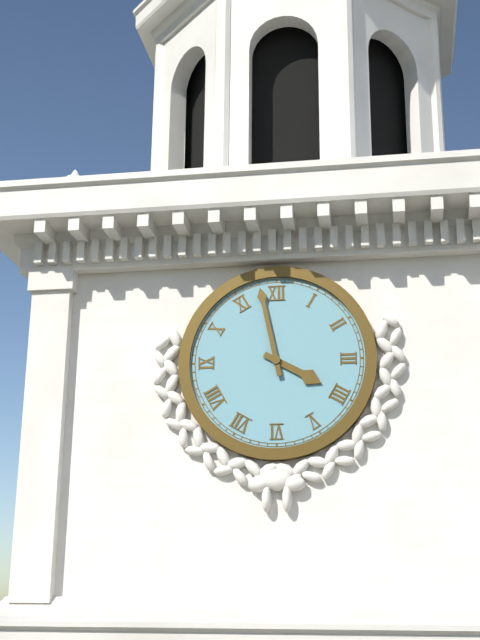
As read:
**3:58**
